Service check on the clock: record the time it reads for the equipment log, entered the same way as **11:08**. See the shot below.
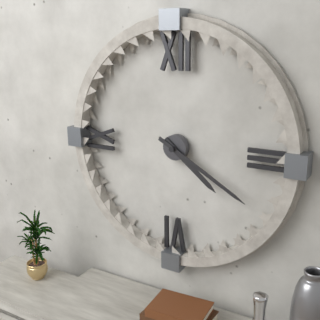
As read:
**4:20**
